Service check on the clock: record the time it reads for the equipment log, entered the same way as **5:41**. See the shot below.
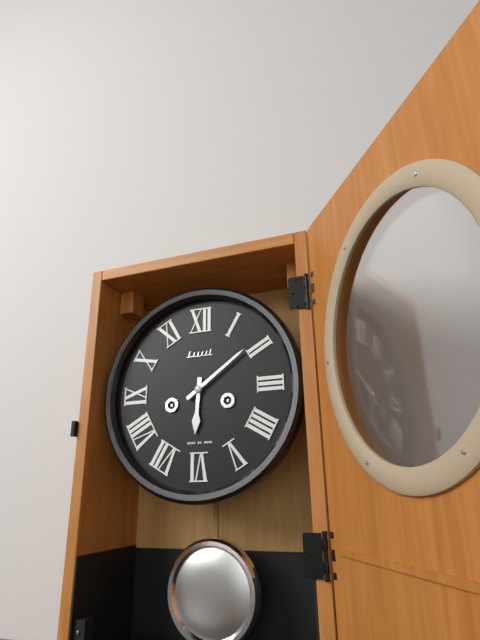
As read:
**6:09**
